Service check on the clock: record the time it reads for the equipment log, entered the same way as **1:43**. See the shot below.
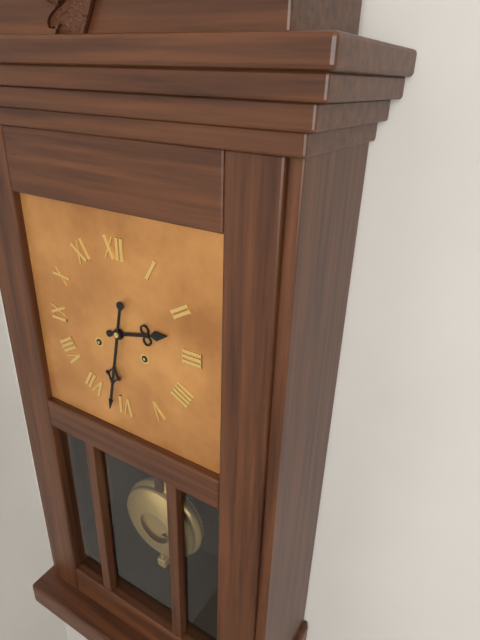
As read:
**2:32**
